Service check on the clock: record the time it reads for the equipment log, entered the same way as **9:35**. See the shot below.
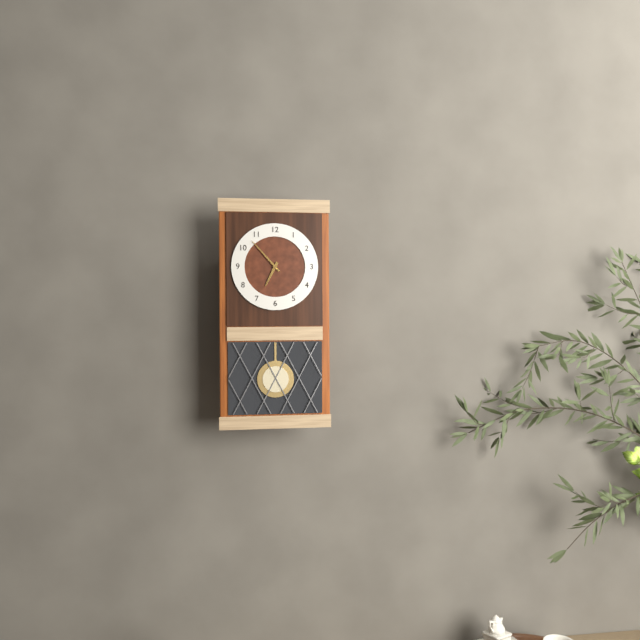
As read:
**6:53**
